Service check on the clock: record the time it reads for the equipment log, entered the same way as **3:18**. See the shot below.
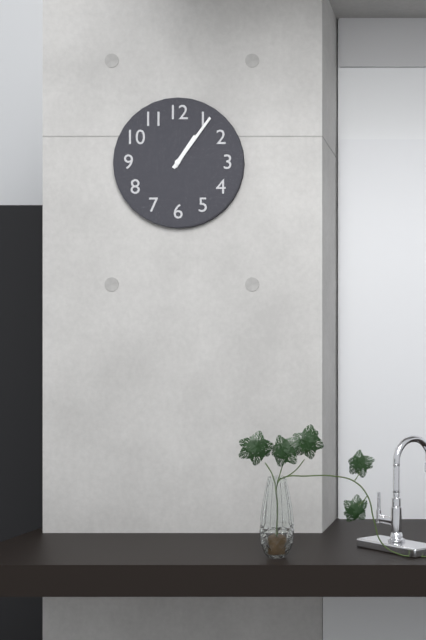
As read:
**1:06**
